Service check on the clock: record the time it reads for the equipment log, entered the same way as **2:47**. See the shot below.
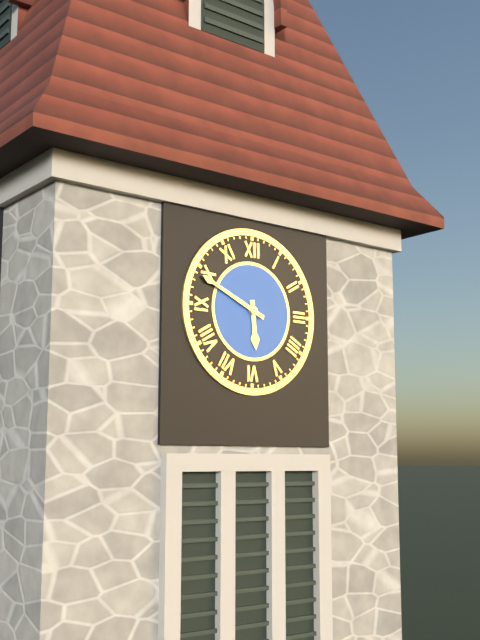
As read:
**5:49**
